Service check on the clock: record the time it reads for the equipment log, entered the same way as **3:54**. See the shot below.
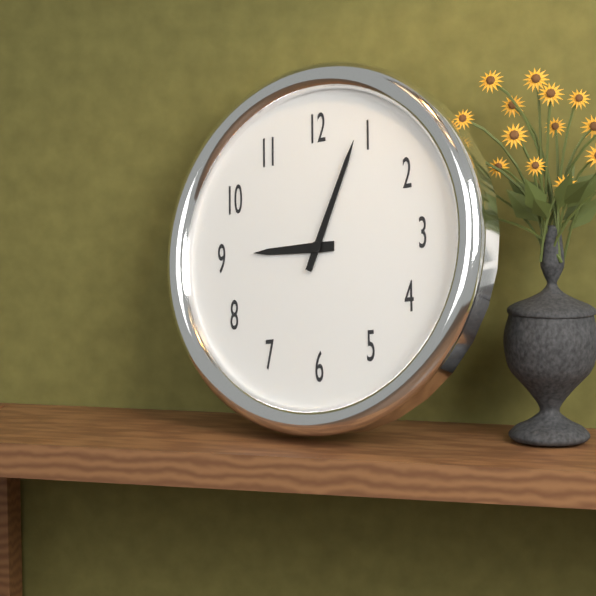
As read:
**9:04**
